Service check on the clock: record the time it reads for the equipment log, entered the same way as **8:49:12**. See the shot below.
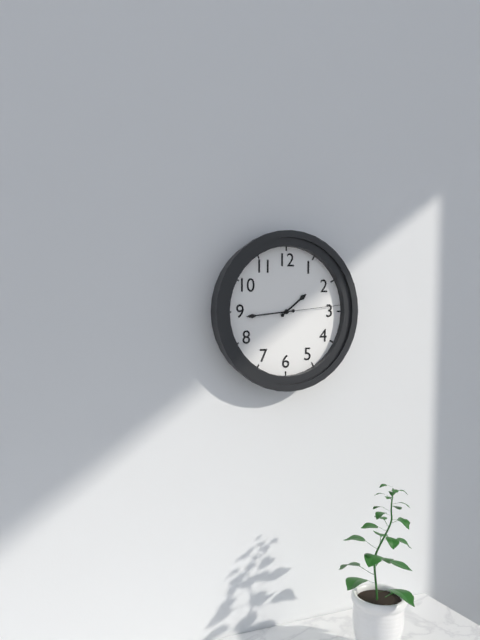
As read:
**1:44:14**
